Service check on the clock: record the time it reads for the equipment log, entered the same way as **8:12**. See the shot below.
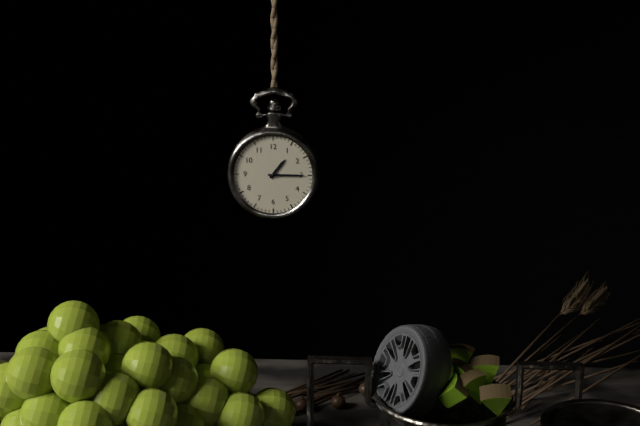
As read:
**1:15**
